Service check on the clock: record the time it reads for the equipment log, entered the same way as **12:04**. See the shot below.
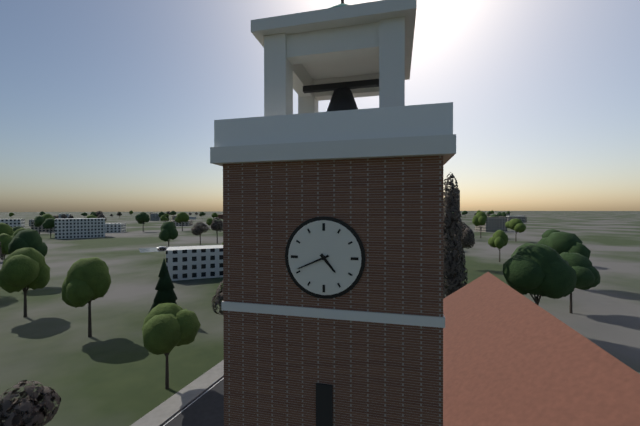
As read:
**4:41**
